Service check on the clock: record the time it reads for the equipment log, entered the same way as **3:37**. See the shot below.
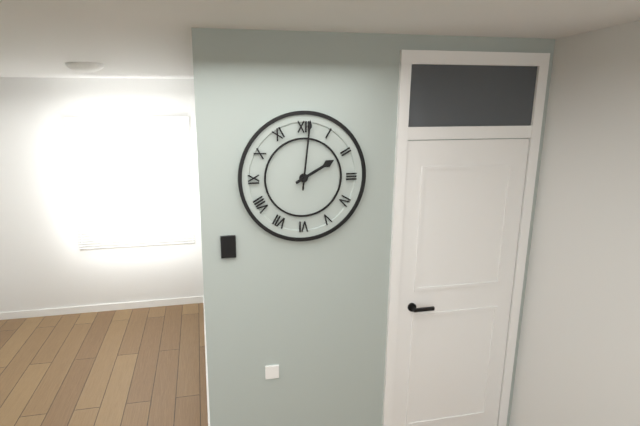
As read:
**2:01**
